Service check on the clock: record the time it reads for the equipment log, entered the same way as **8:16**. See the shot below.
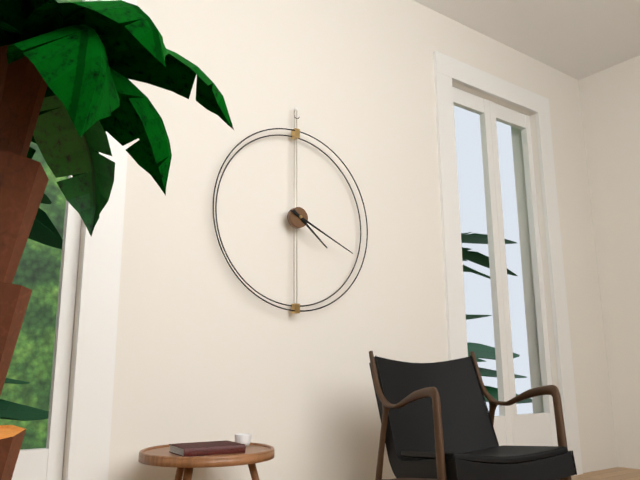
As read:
**4:19**
